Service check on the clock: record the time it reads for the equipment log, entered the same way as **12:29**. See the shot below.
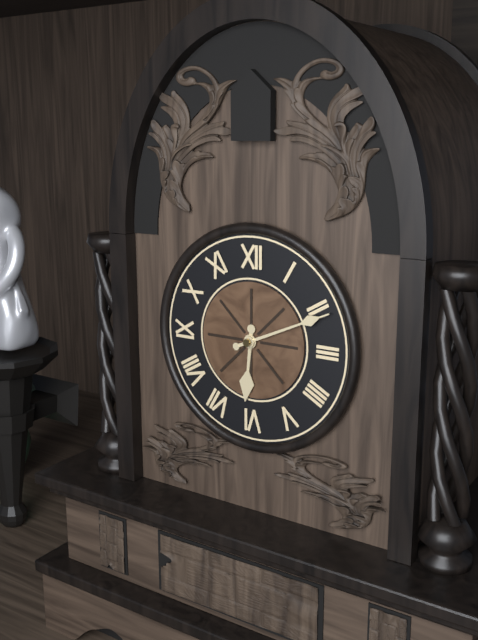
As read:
**6:11**
